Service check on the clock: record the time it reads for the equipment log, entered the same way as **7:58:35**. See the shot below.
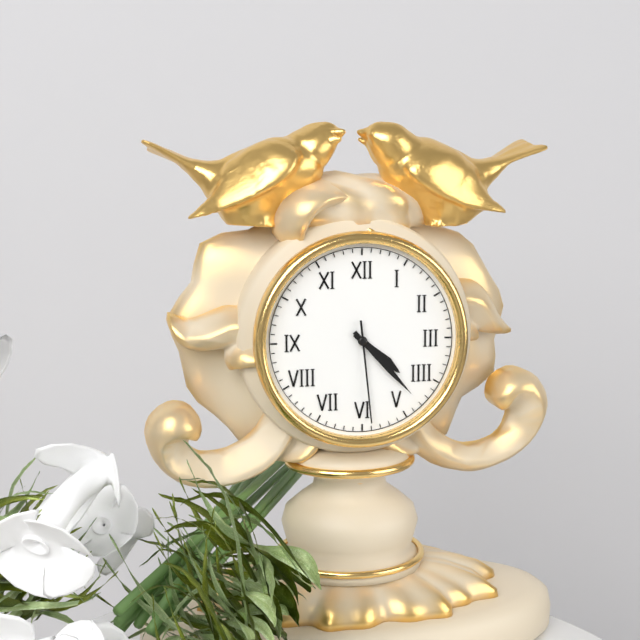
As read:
**4:23:29**
